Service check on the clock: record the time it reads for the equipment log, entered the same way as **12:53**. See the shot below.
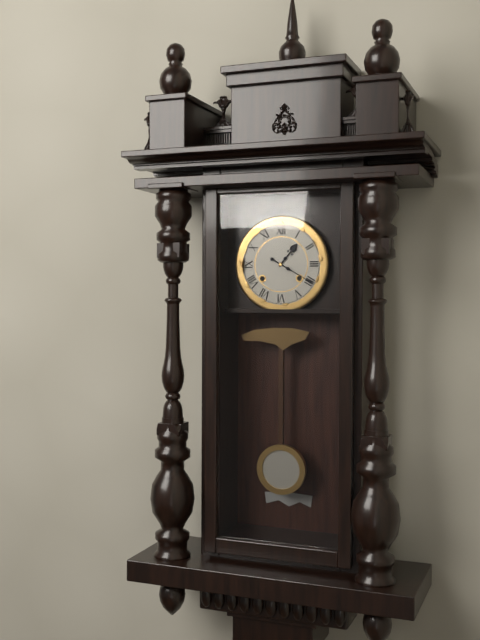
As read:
**1:20**
